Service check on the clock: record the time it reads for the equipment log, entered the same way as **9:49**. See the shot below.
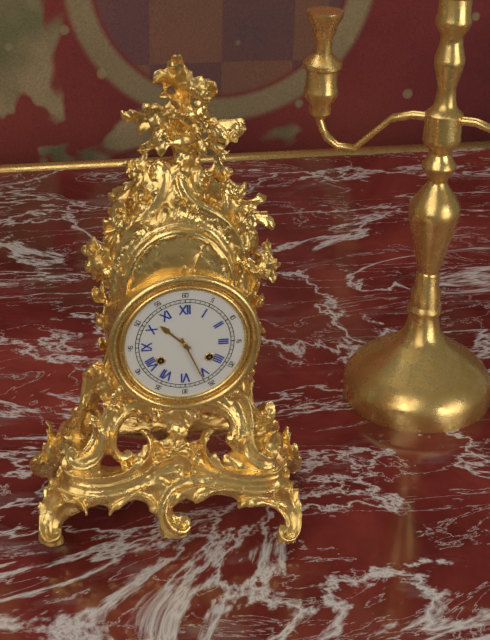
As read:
**10:26**
